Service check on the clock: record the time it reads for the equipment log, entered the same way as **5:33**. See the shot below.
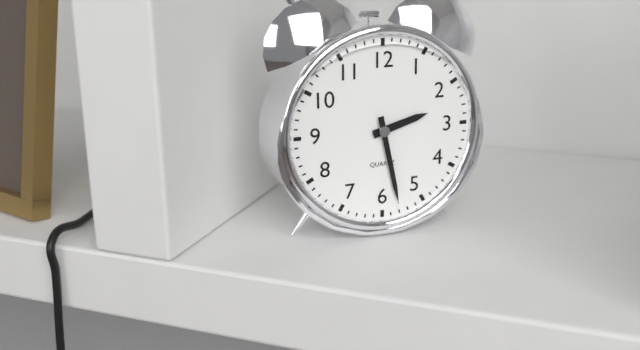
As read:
**2:28**
